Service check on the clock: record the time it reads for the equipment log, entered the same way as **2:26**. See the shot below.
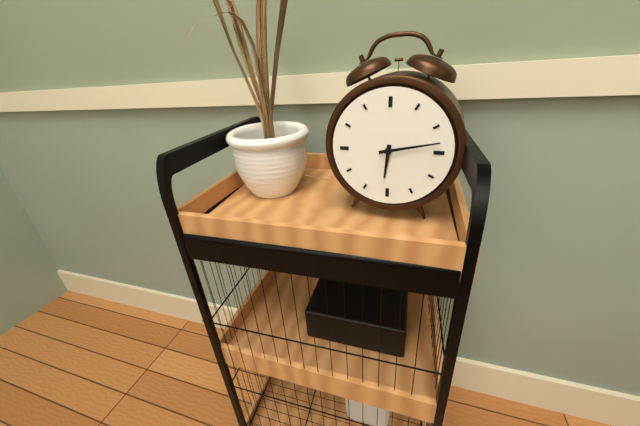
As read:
**6:13**
